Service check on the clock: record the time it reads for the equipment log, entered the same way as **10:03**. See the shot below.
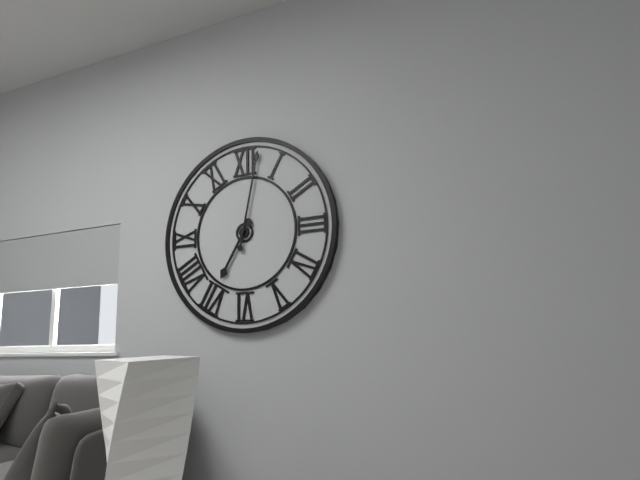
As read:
**7:02**
